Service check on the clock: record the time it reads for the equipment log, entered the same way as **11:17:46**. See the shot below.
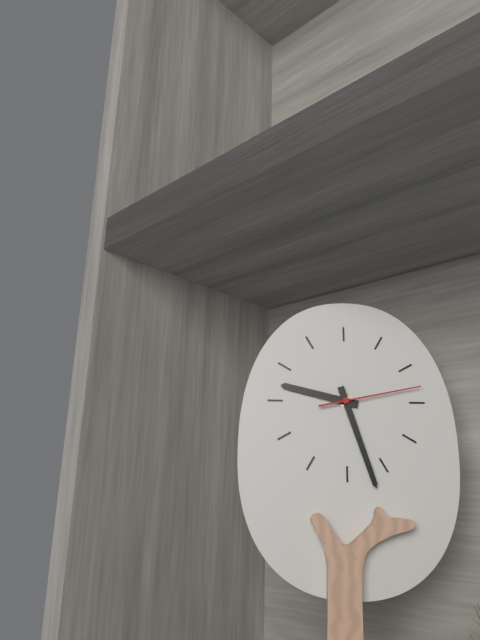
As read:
**9:27:13**
